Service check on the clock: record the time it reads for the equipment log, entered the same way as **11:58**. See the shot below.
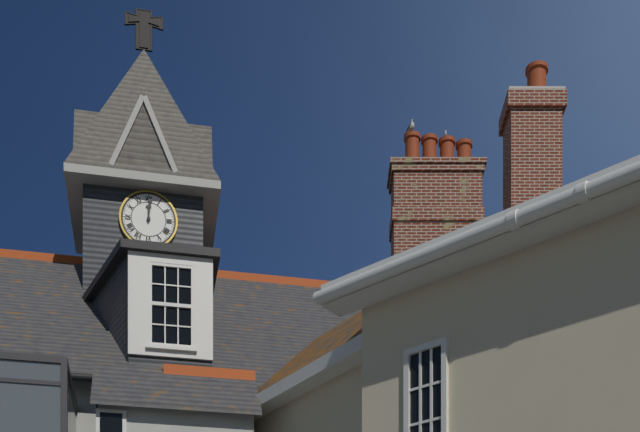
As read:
**12:01**
